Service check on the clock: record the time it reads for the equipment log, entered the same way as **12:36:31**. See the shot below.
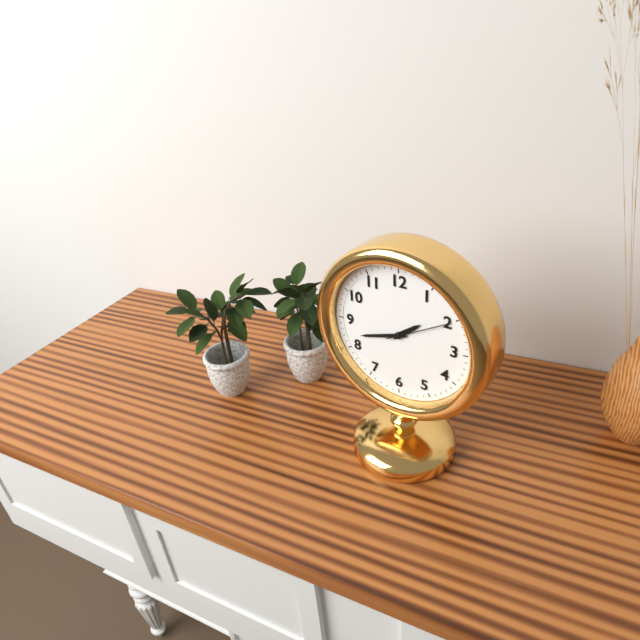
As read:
**1:42:10**
